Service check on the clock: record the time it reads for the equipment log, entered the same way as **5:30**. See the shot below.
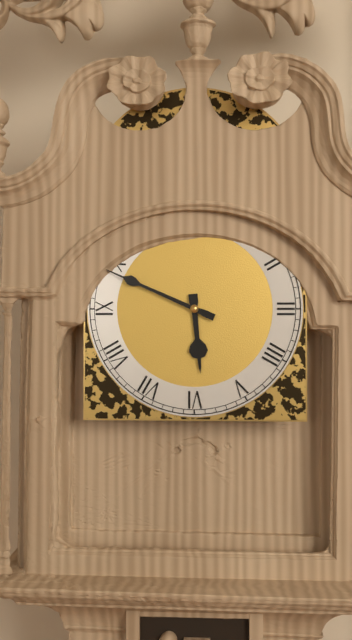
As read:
**5:49**
